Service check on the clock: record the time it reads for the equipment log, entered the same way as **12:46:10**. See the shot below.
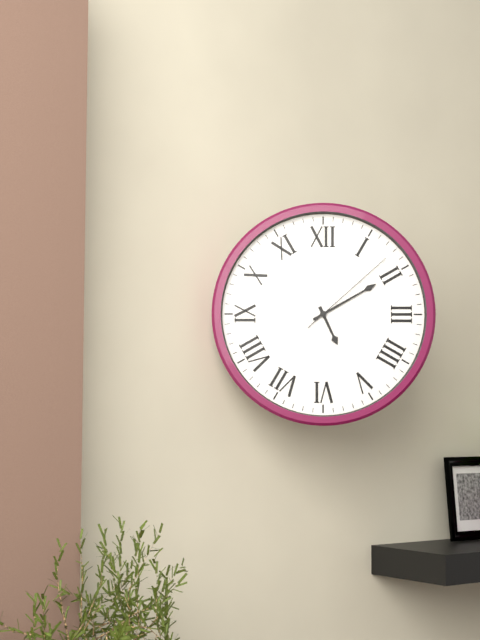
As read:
**5:10:08**
